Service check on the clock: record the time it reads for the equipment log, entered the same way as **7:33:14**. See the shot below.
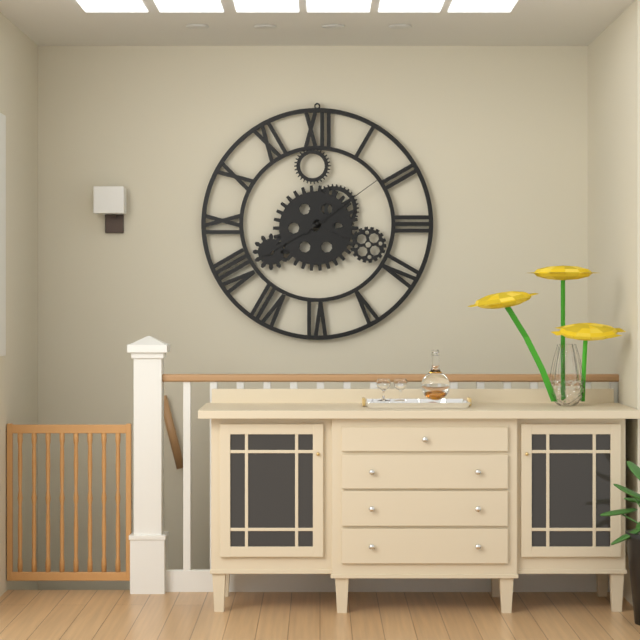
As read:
**3:40:09**
